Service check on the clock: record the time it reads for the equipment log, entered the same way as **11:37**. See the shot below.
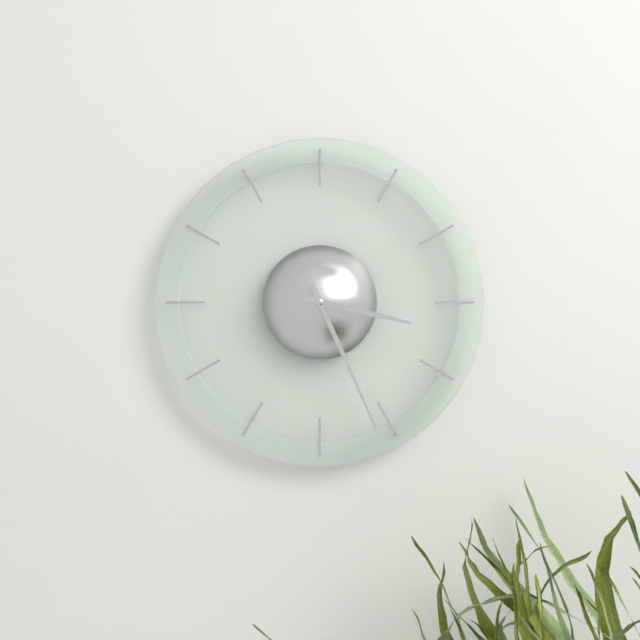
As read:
**3:26**
